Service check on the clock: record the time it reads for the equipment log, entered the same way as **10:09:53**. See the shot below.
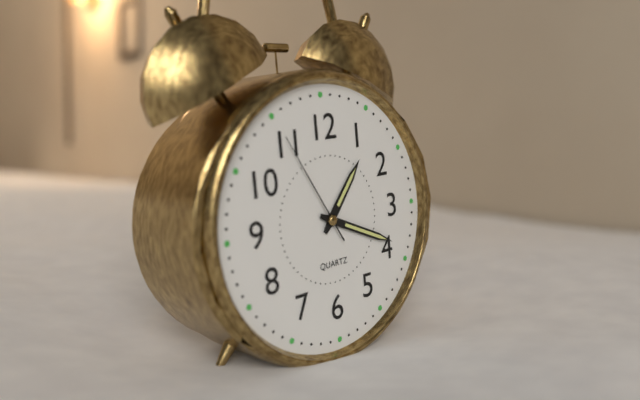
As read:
**1:19:55**
